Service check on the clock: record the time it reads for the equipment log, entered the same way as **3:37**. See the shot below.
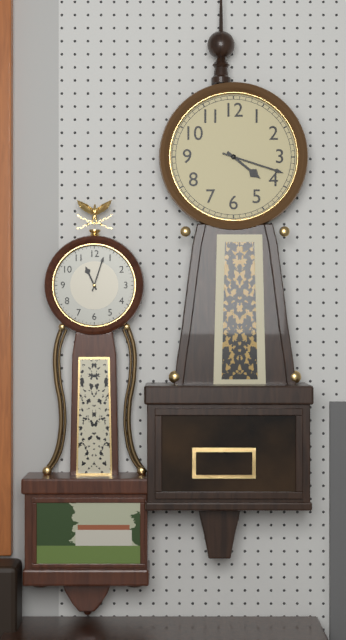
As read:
**4:18**
